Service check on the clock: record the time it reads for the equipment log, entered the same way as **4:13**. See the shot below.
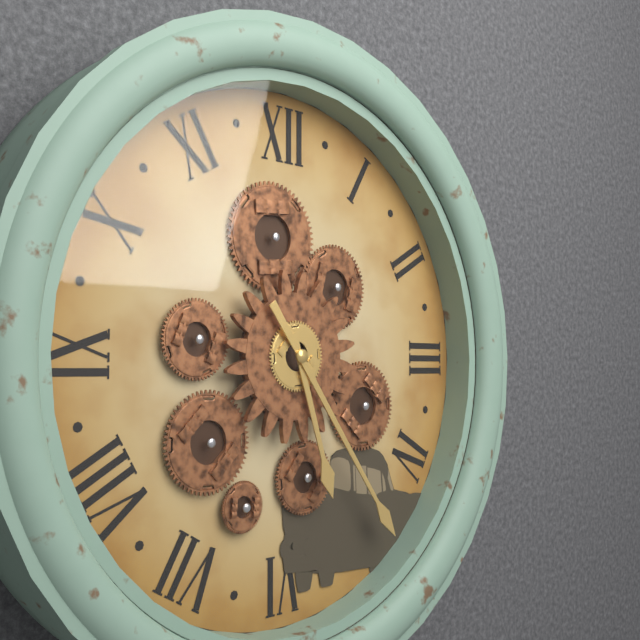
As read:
**5:24**
